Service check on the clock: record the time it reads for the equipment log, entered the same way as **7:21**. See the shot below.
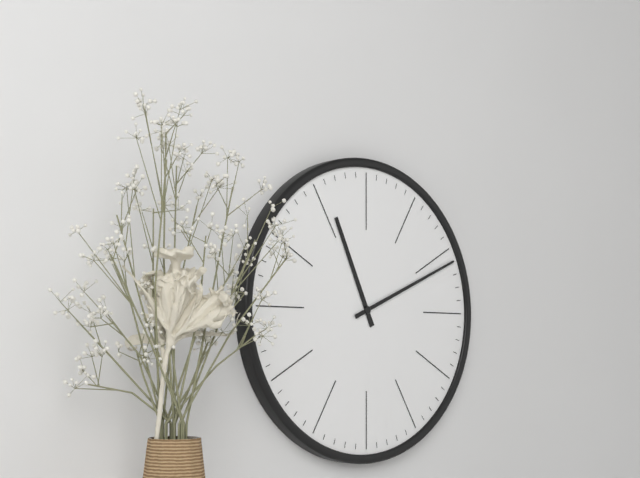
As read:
**11:11**
